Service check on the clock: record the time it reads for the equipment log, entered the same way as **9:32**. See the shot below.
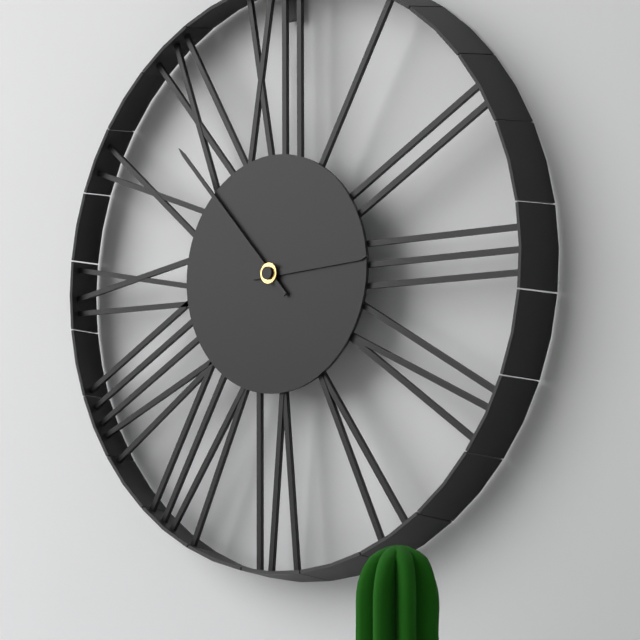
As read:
**2:53**
